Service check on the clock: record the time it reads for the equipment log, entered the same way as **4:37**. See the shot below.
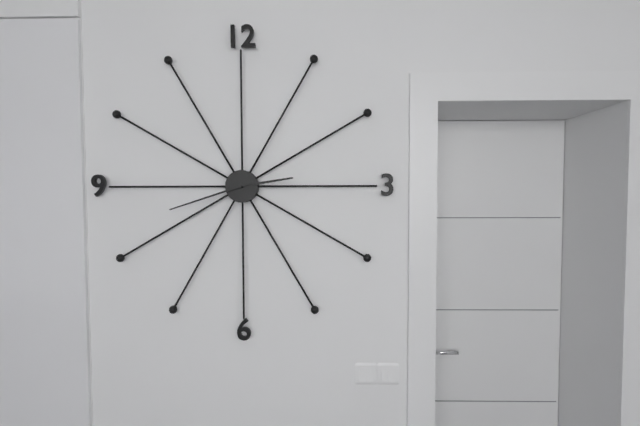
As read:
**2:42**
